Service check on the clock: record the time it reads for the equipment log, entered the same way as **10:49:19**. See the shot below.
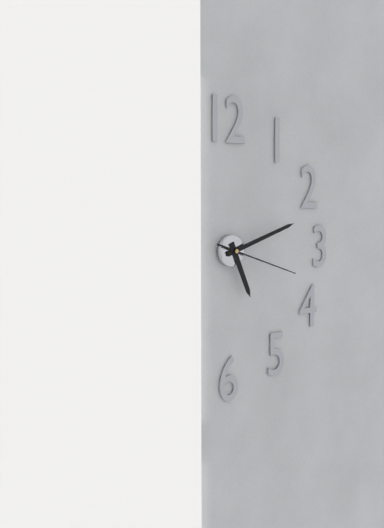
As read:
**5:12:18**
